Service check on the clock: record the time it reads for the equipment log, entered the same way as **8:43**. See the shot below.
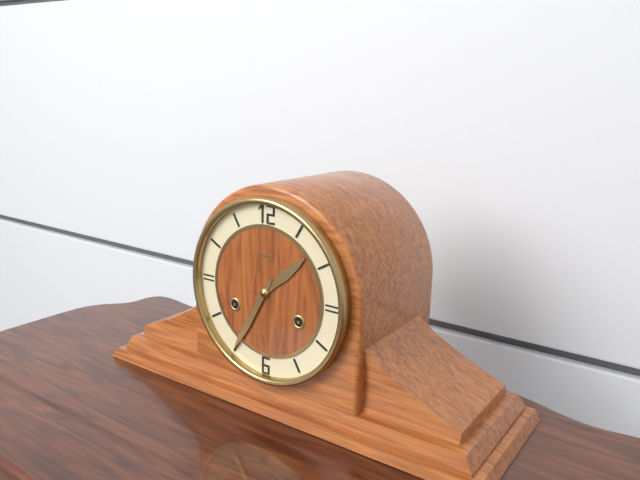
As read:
**1:35**
